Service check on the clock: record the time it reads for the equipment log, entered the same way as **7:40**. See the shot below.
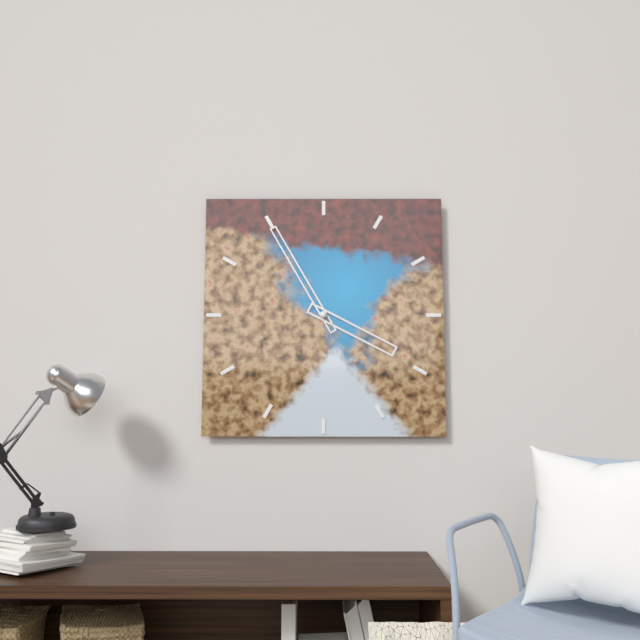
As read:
**3:55**
